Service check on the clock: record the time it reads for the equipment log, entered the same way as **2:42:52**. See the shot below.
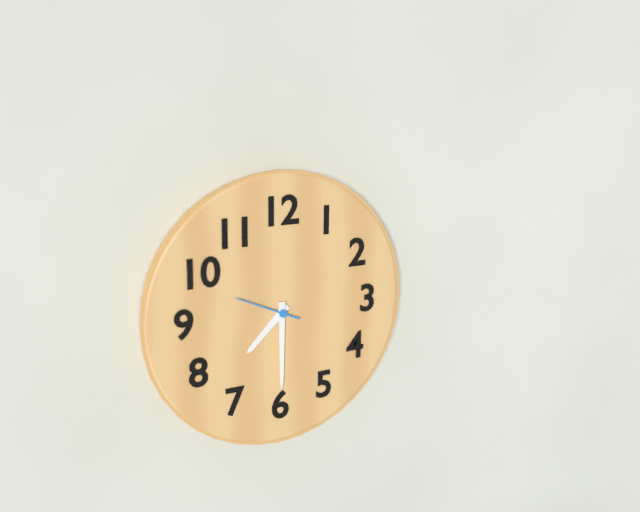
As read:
**7:30:49**
